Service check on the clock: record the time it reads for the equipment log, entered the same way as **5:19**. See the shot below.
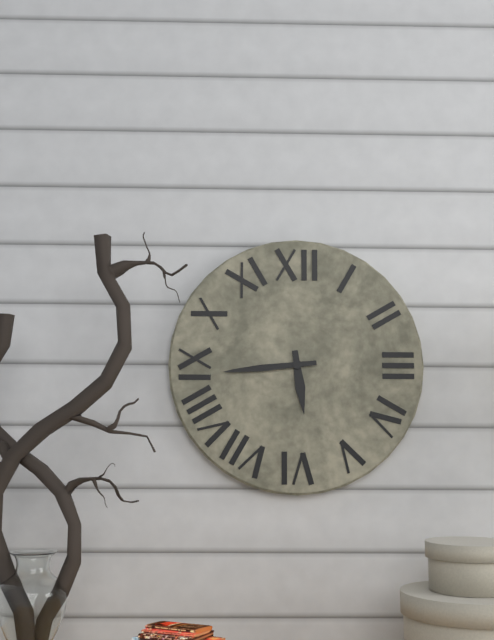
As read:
**5:44**
